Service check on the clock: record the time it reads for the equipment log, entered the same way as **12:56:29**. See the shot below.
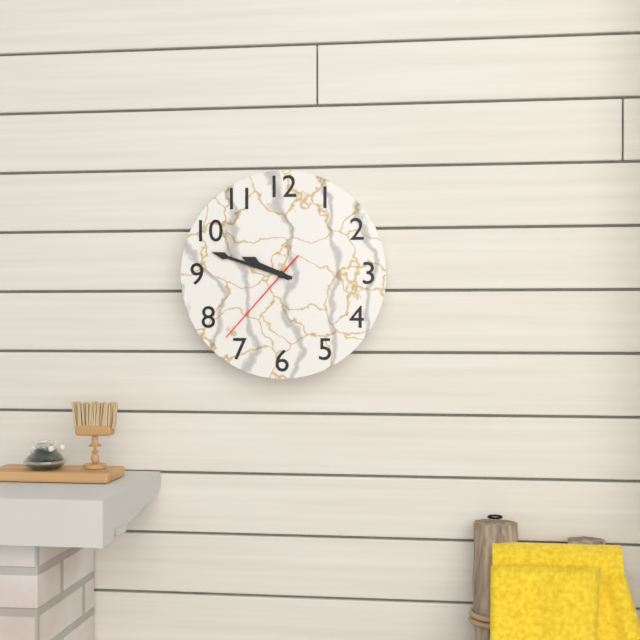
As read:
**9:48:37**
